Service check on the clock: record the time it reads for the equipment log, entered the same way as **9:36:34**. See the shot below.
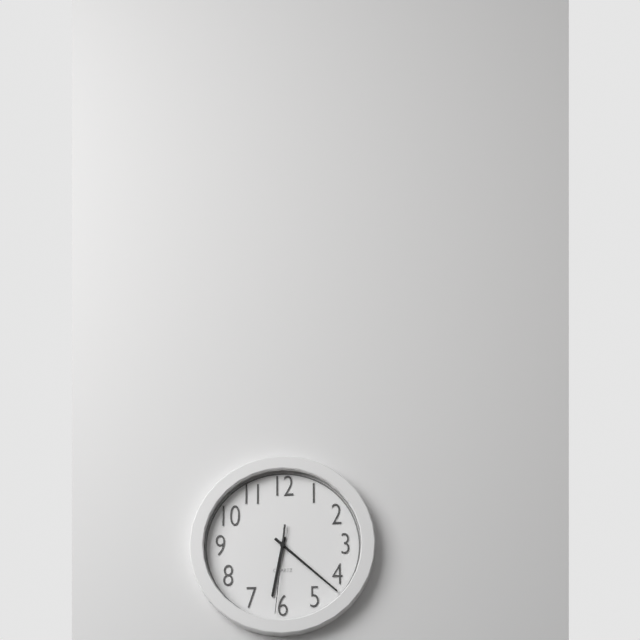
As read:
**6:22:31**
